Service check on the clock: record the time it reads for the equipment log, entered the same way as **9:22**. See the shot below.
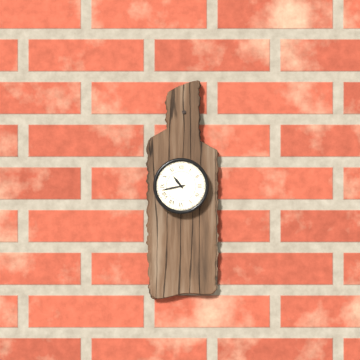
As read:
**10:43**
